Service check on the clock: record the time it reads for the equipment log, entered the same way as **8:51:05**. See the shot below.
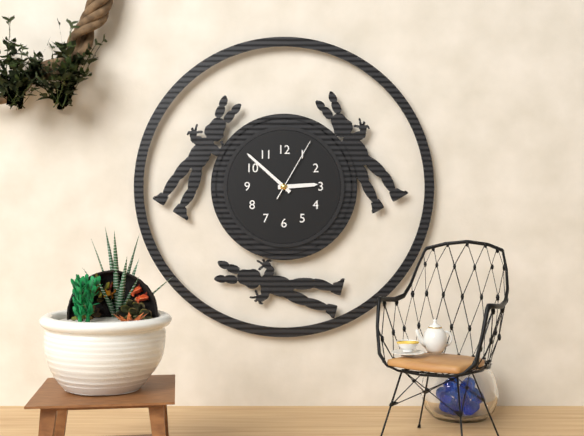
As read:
**2:52:05**
